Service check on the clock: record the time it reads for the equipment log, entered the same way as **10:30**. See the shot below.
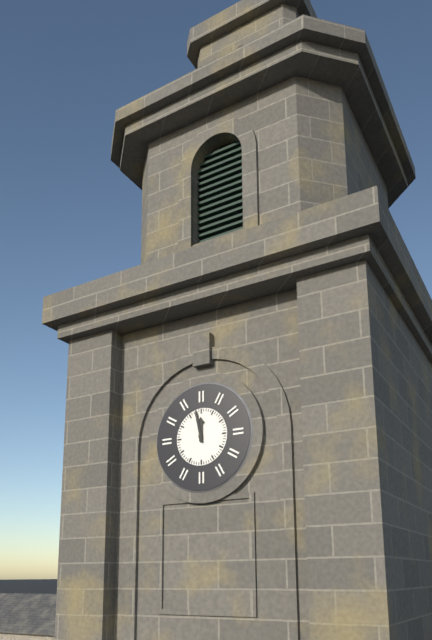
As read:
**11:58**
